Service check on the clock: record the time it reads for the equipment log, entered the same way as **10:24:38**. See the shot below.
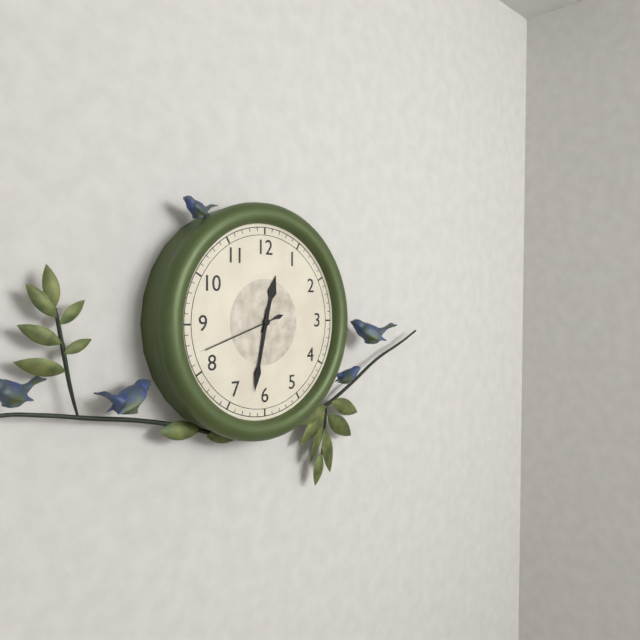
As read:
**12:32:42**
